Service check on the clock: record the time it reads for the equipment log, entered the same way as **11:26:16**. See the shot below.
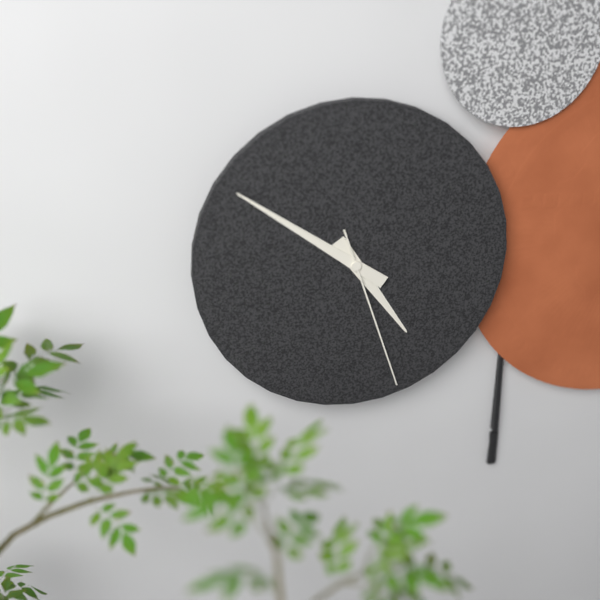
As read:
**4:51:27**
